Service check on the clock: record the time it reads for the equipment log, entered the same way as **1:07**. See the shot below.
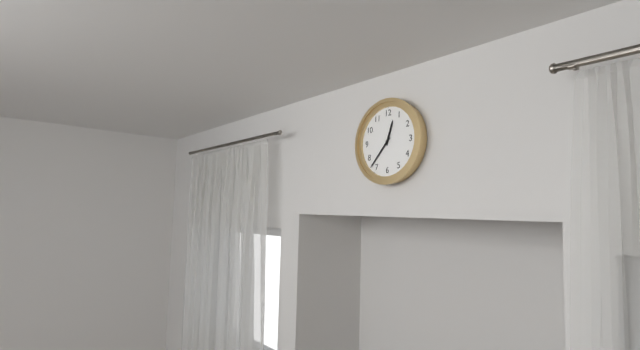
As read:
**12:37**
